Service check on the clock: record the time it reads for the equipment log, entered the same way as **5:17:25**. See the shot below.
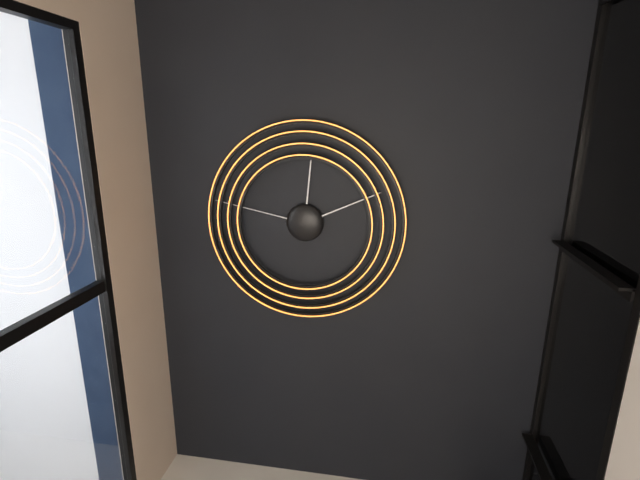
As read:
**12:11:47**
